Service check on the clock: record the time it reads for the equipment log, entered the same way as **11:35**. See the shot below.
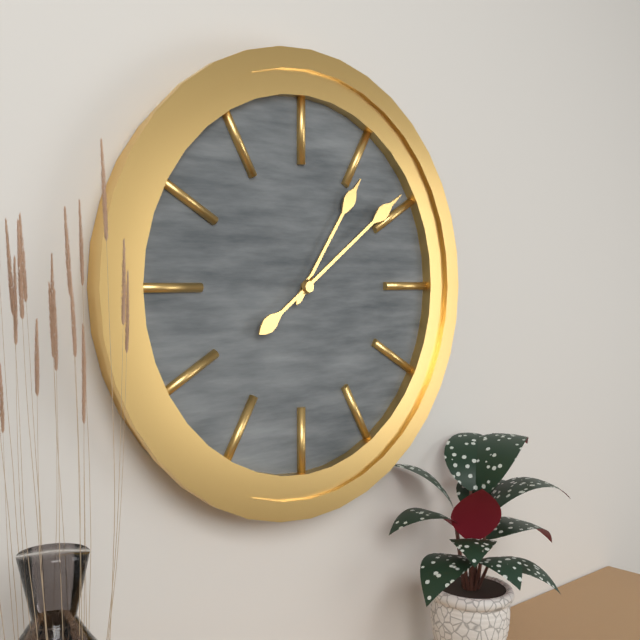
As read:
**1:09**
